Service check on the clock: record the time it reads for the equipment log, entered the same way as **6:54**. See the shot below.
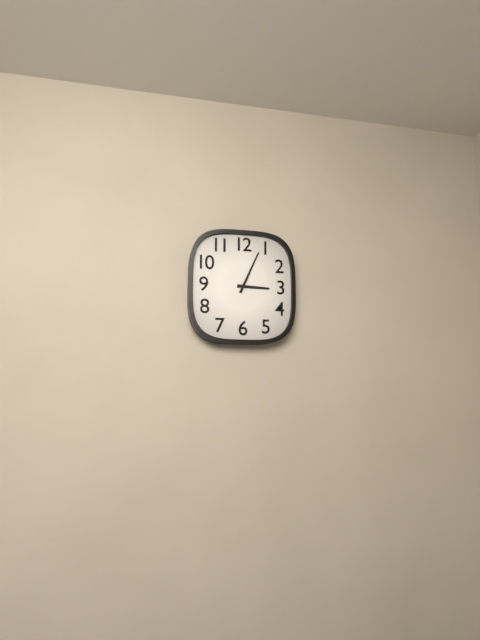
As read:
**3:04**
